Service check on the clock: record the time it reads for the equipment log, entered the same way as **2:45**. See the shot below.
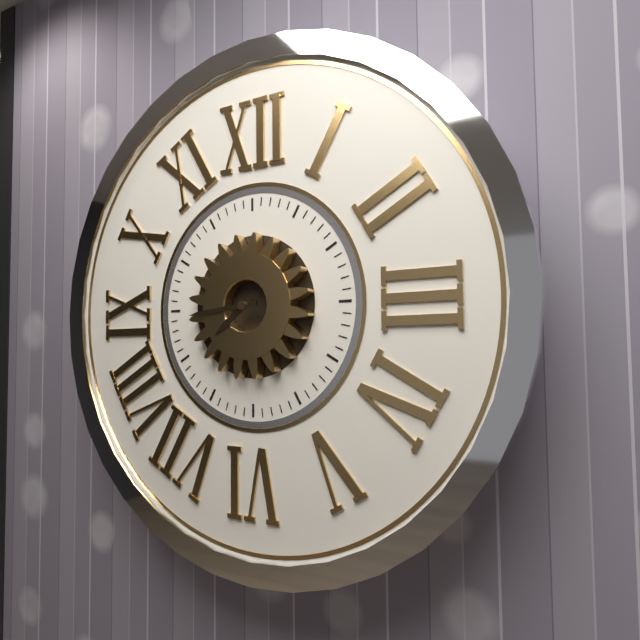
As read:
**7:44**
